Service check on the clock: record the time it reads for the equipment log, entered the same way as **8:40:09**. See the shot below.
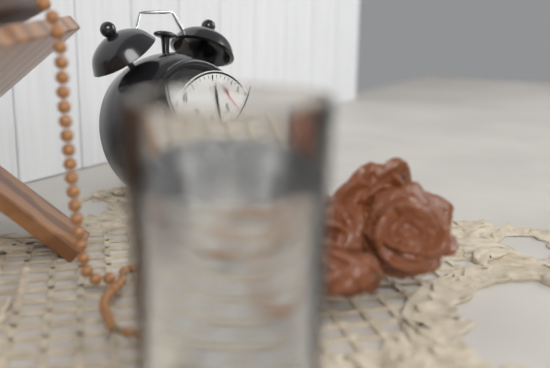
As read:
**4:28:23**
